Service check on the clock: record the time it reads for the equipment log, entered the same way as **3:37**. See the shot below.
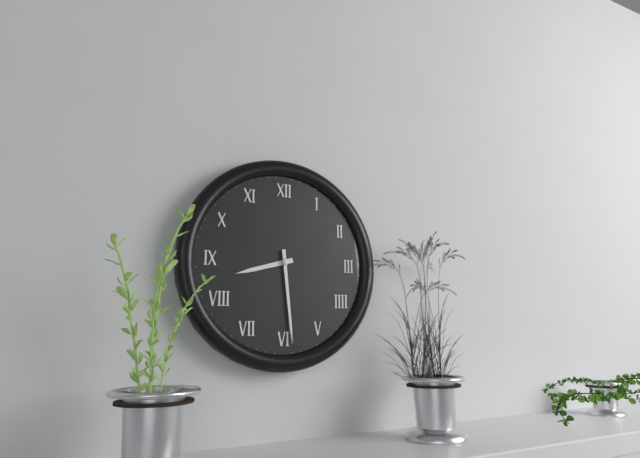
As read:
**8:29**
